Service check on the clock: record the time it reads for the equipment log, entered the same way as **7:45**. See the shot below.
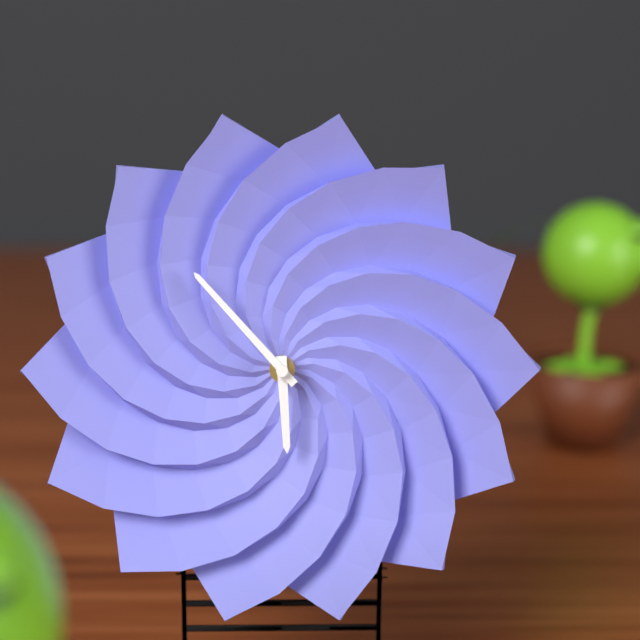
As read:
**5:53**
